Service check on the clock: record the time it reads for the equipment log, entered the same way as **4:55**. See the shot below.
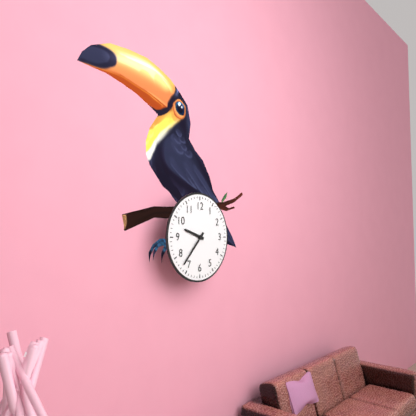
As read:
**9:37**
